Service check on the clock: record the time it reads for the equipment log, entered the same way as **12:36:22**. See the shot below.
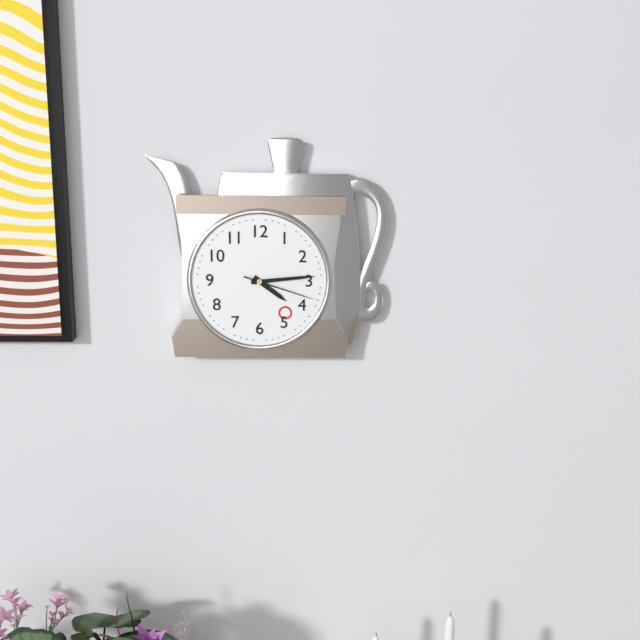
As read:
**4:14:18**
